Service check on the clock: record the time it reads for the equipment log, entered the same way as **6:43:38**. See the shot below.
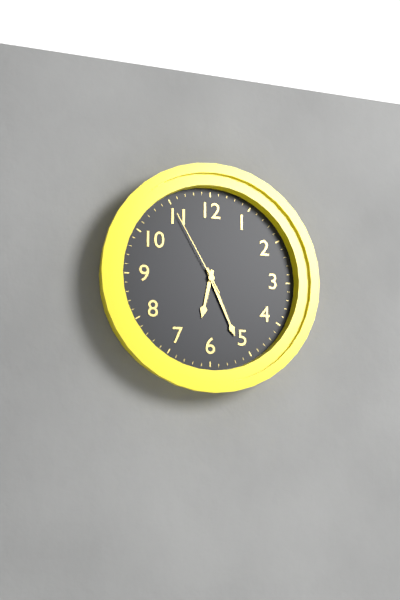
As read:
**6:26:55**
